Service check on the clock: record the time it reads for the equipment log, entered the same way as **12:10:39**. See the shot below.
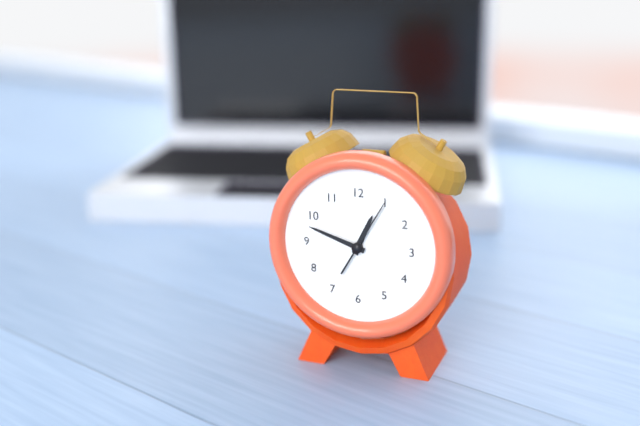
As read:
**12:48:05**
